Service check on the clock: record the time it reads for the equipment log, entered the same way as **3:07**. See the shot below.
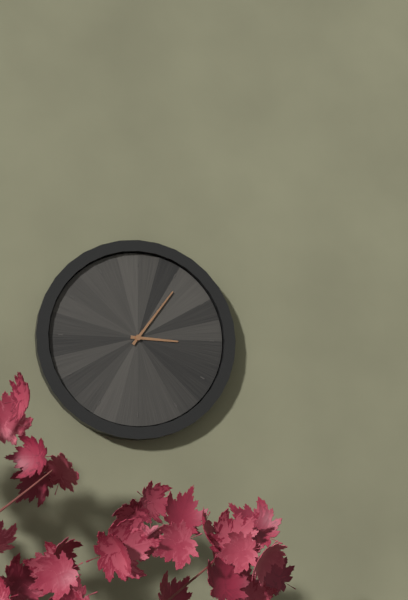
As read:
**3:06**
